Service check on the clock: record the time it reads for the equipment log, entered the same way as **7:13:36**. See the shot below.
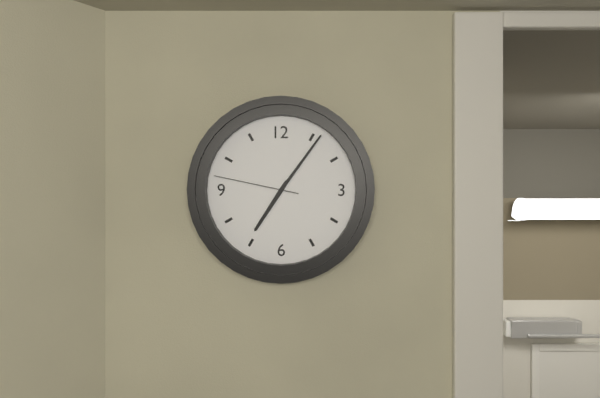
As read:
**7:06:47**
